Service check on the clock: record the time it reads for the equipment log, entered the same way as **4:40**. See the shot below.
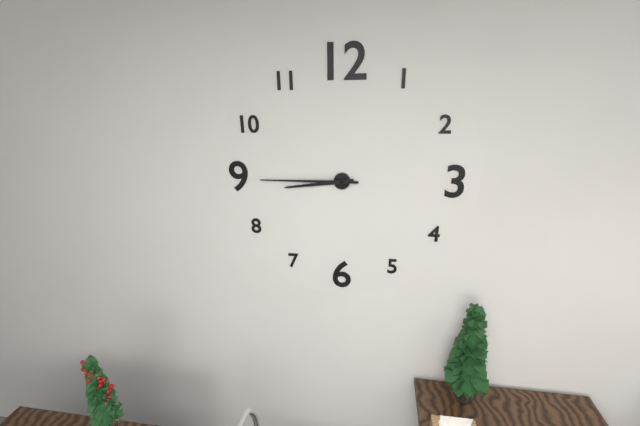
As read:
**8:45**
